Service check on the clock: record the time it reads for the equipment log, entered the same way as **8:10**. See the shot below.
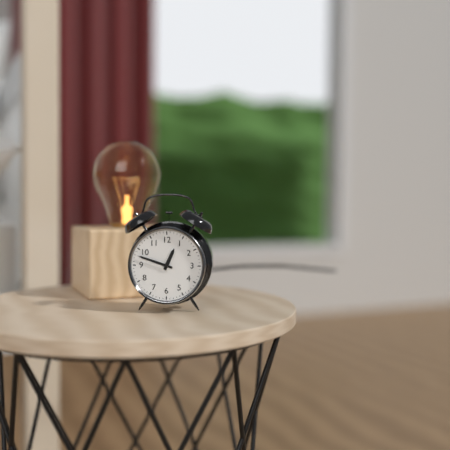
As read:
**12:48**
